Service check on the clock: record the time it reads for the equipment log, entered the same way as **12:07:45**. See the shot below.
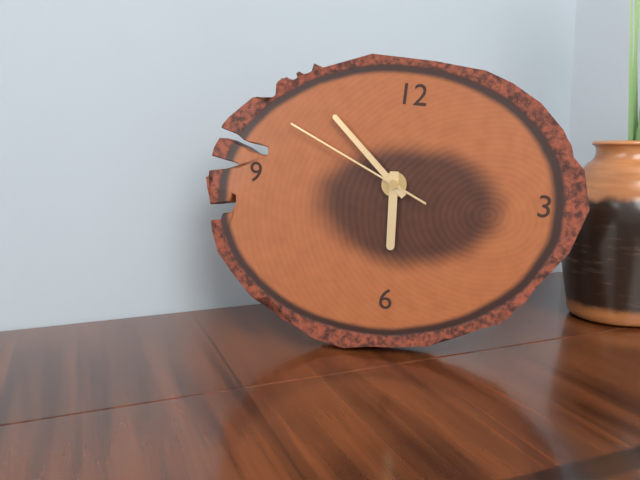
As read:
**5:52:49**
